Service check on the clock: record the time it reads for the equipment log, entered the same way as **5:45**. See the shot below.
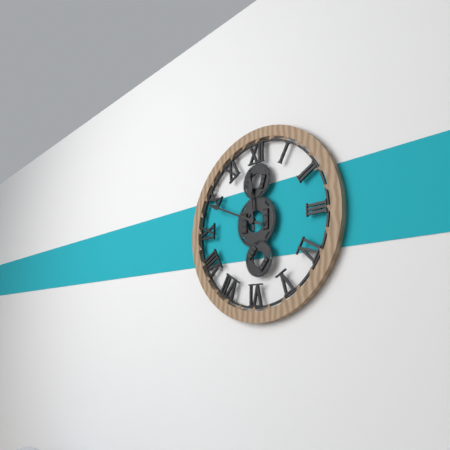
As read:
**11:49**
